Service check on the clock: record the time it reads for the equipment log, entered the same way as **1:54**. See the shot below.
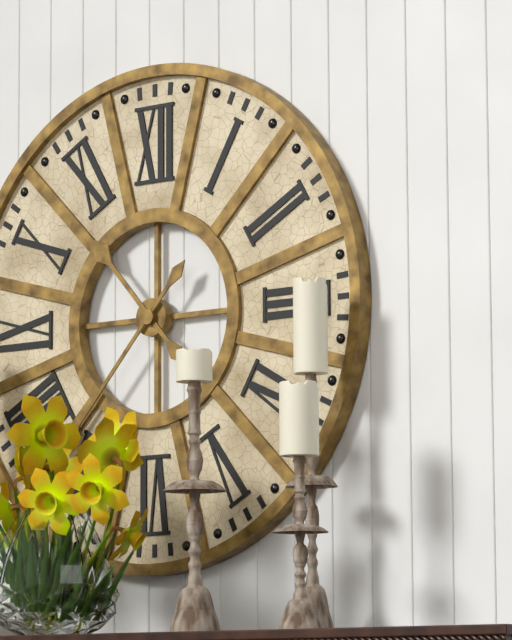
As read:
**10:37**
